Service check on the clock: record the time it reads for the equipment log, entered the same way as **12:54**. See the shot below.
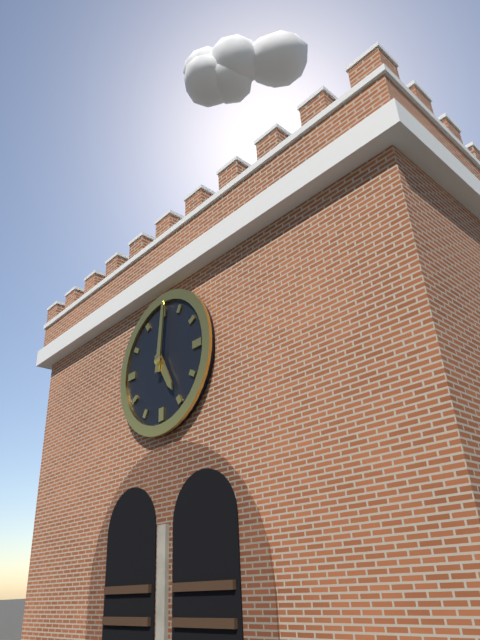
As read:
**5:01**
